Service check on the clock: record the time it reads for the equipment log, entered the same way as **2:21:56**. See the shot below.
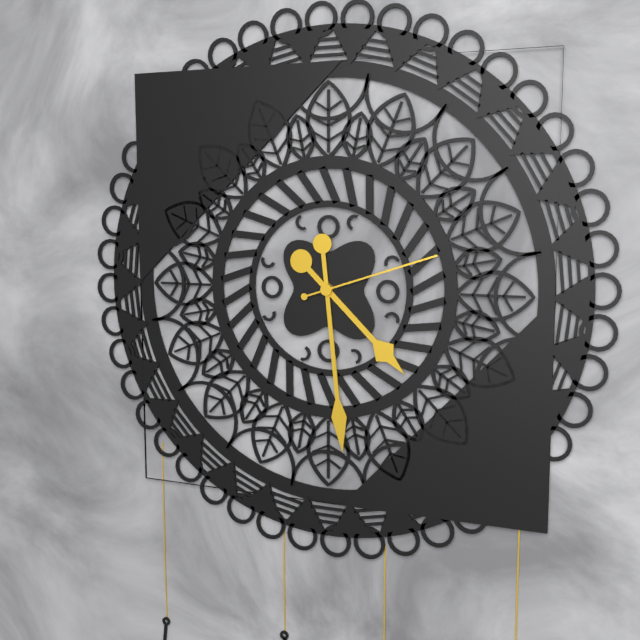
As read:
**4:29:12**
